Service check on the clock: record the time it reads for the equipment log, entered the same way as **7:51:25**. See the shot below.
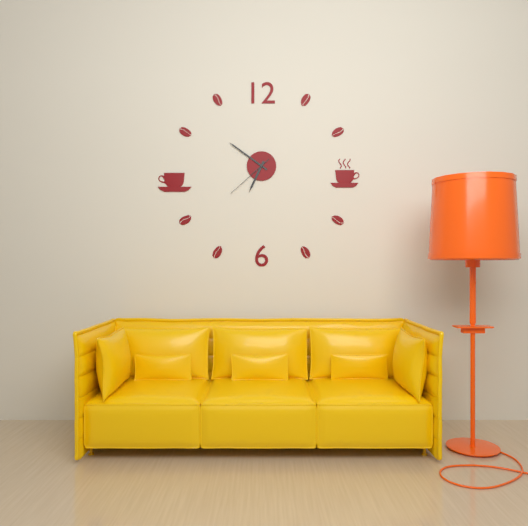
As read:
**6:51:38**
